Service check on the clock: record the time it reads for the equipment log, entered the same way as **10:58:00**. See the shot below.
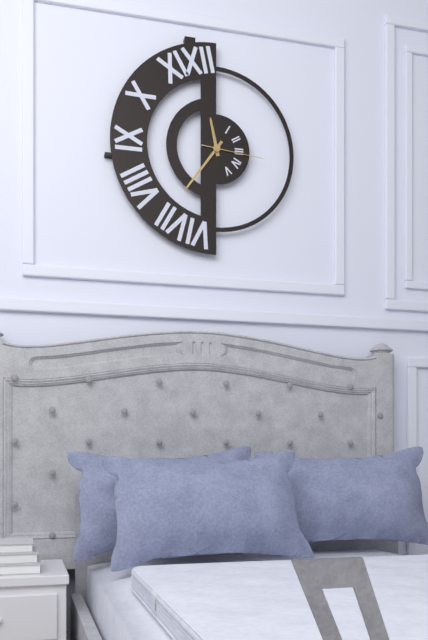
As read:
**11:36:16**
